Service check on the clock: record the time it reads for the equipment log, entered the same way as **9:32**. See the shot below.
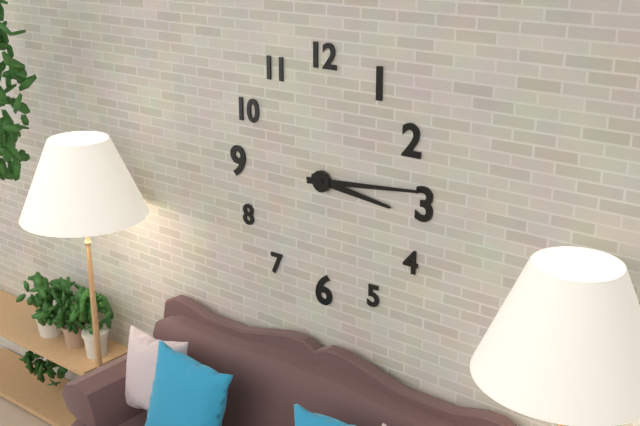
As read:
**3:14**
